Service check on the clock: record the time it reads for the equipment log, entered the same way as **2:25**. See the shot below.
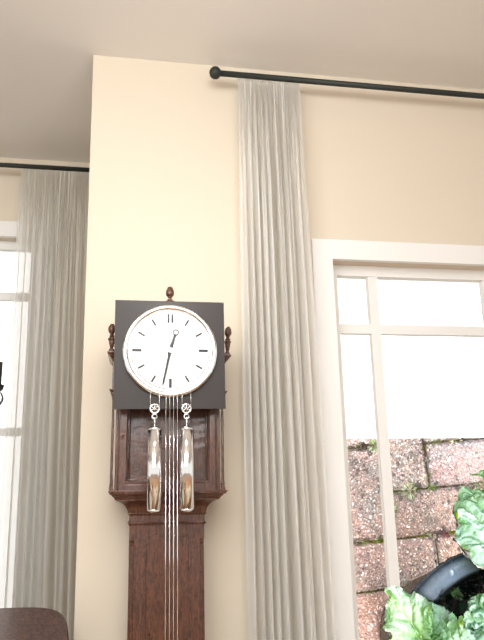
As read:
**12:32**
